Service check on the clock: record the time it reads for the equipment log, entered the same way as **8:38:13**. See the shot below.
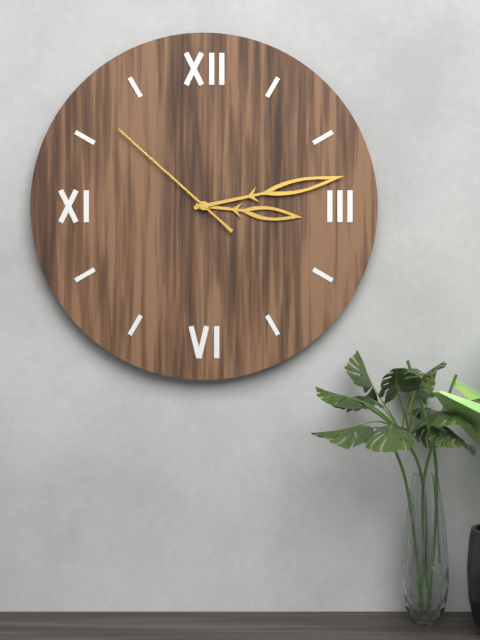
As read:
**3:13:52**
